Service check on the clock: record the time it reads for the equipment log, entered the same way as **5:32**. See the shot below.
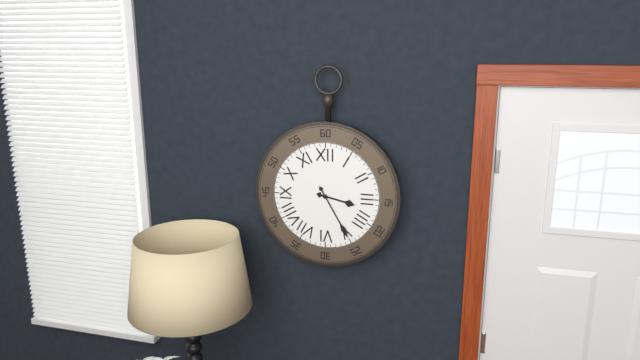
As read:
**3:25**
